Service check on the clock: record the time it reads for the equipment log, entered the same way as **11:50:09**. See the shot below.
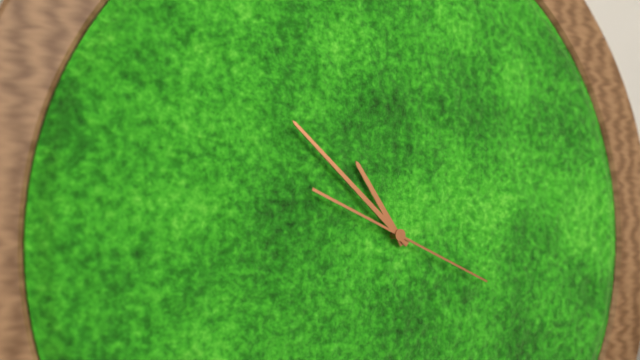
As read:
**10:52:19**
